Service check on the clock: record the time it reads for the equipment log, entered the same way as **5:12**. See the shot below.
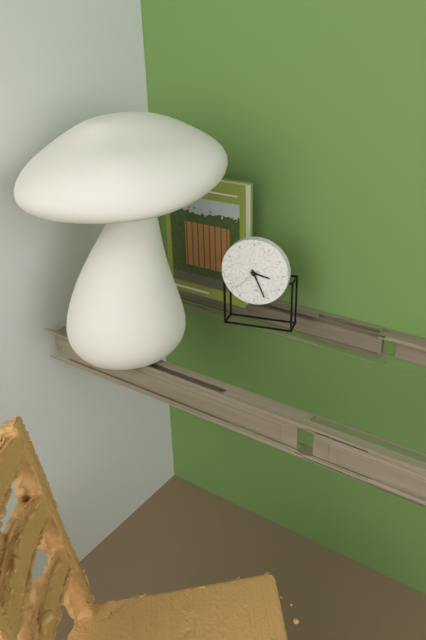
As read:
**3:26**
